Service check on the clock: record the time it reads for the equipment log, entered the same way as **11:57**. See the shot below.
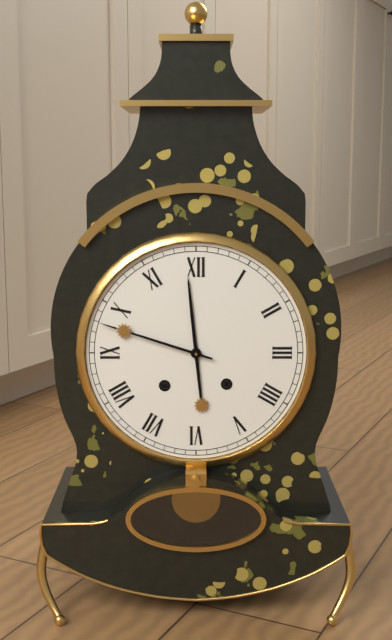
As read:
**11:48**
